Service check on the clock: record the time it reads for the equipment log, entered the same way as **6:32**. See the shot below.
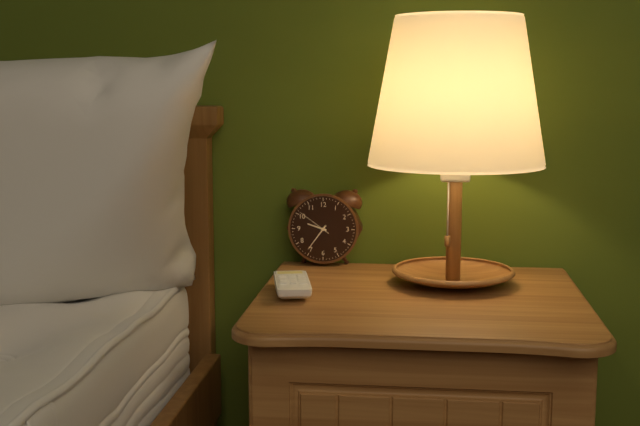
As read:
**9:36**
